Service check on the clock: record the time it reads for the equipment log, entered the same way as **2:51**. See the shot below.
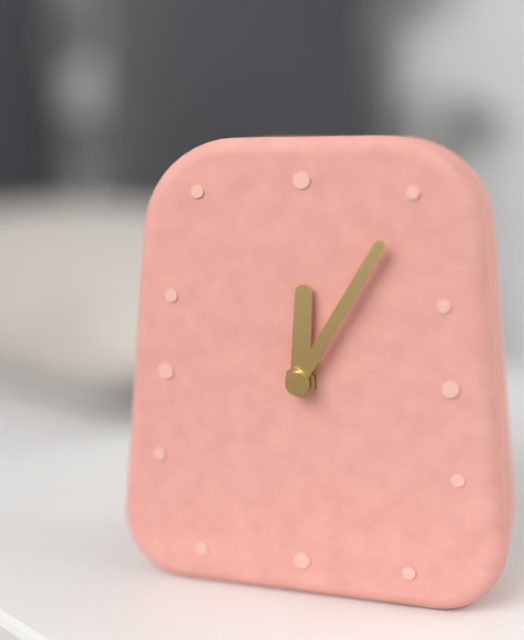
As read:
**12:05**
